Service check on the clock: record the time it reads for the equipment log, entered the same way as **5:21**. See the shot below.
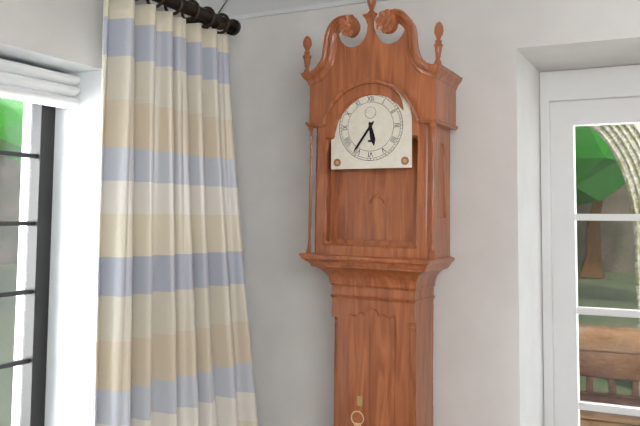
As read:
**5:36**
